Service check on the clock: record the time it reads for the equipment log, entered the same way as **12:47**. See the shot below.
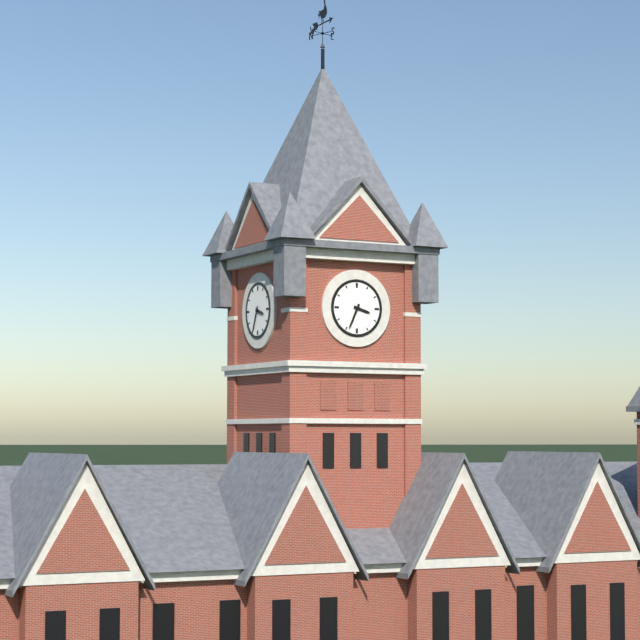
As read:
**3:34**
